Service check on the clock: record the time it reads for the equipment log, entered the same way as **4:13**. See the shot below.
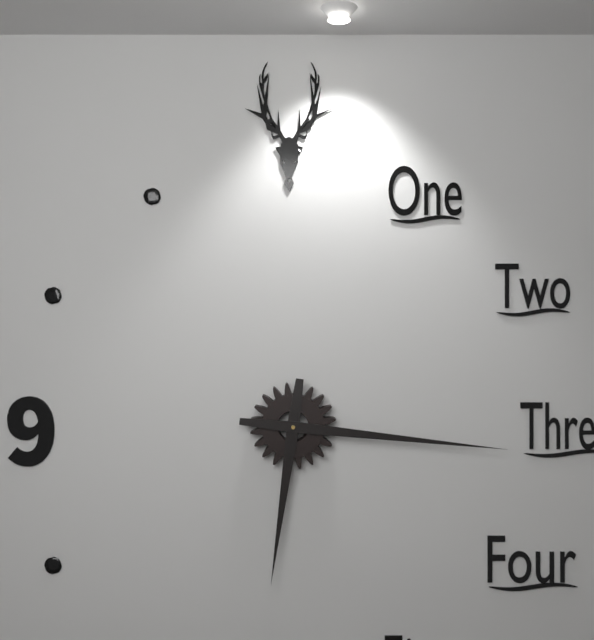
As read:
**6:16**
